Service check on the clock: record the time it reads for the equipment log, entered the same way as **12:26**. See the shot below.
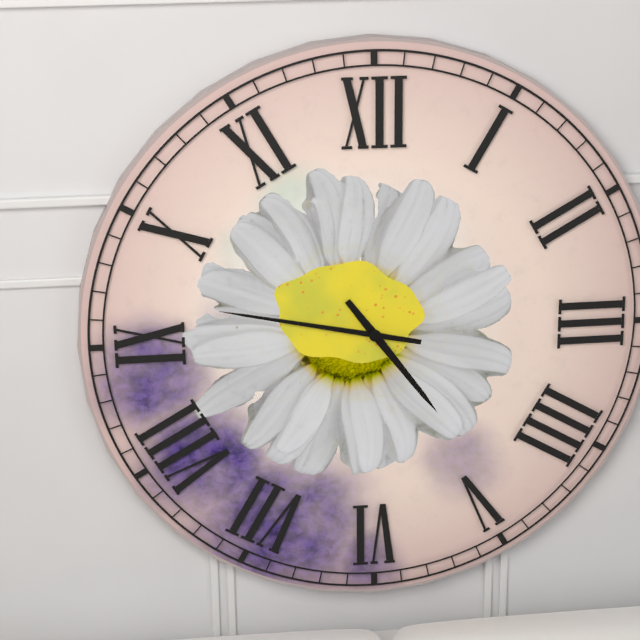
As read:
**4:47**
